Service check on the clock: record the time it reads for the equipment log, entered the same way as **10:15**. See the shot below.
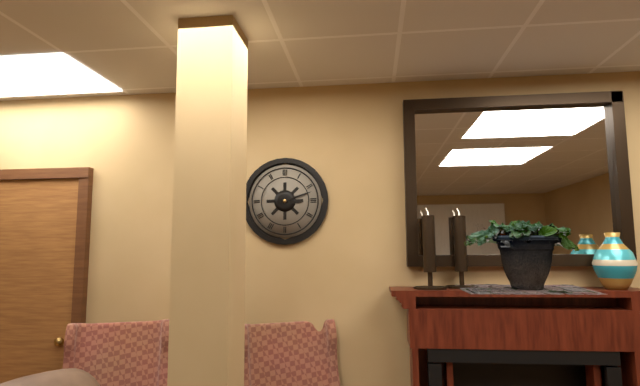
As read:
**3:12**
